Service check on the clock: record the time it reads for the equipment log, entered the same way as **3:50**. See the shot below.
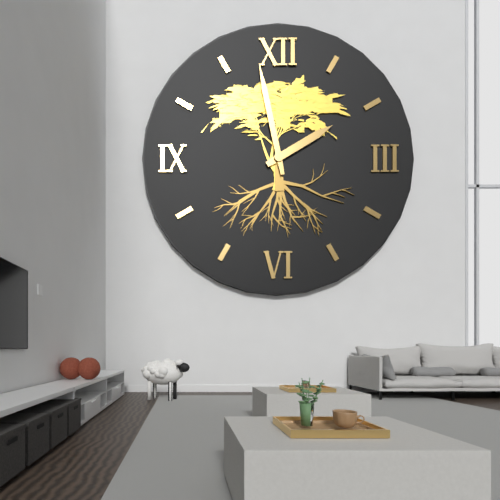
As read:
**1:58**
